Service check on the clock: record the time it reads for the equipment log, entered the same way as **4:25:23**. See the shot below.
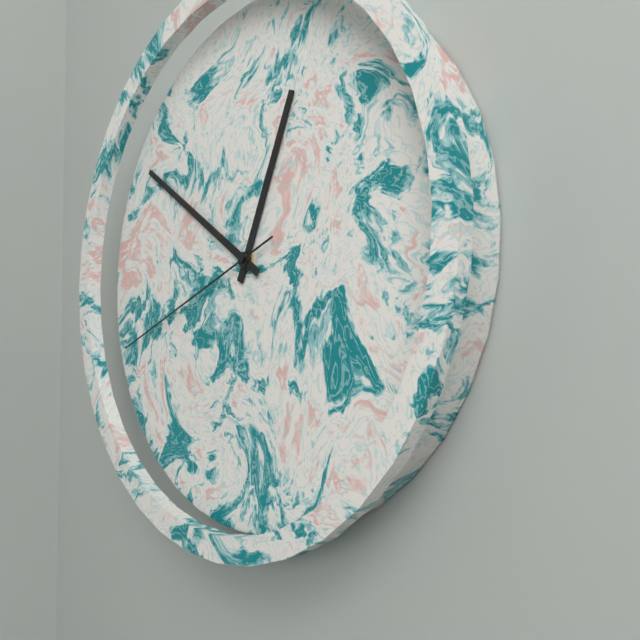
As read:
**12:51:42**
